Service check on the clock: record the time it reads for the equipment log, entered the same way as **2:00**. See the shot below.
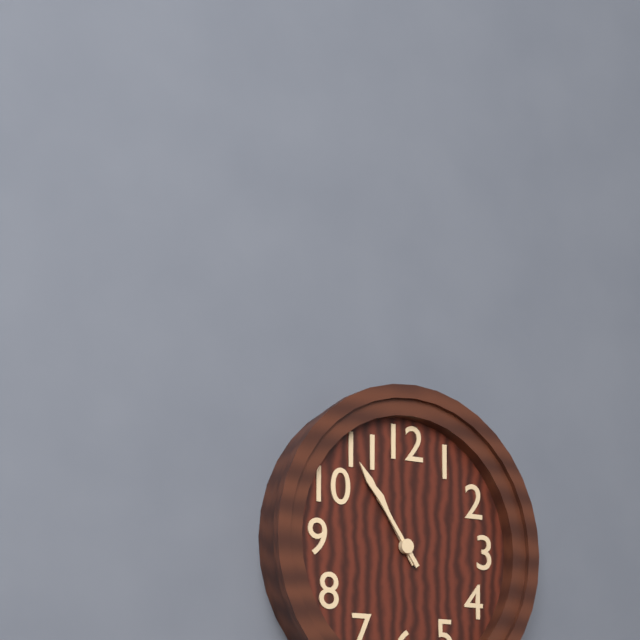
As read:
**10:54**
